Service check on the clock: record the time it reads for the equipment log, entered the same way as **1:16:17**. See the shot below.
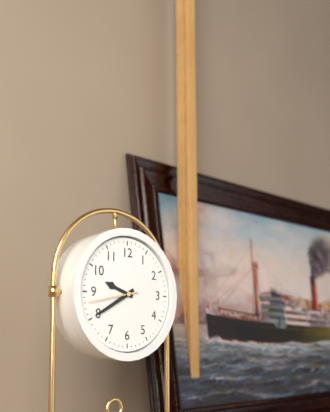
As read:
**9:40:43**
